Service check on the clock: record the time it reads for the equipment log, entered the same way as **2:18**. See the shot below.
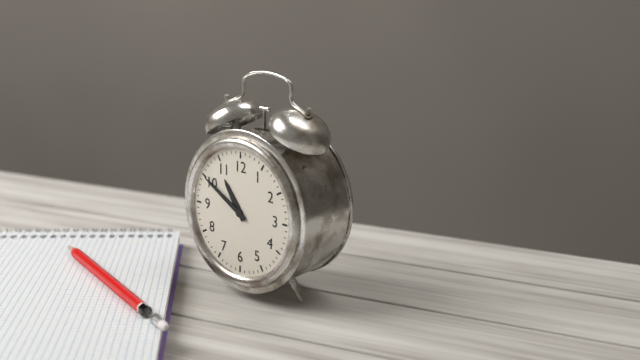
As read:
**10:50**
